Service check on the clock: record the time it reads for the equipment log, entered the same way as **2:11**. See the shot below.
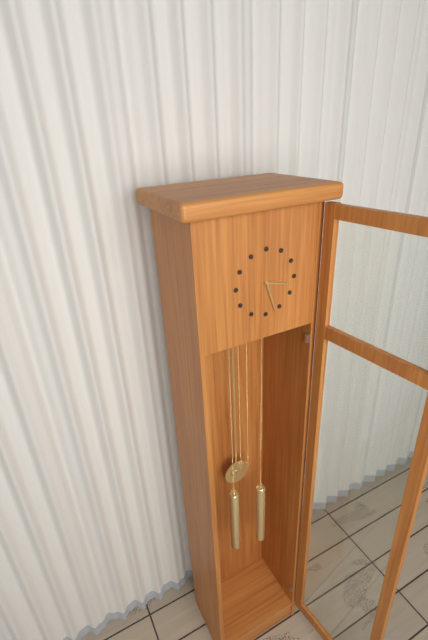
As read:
**3:27**
